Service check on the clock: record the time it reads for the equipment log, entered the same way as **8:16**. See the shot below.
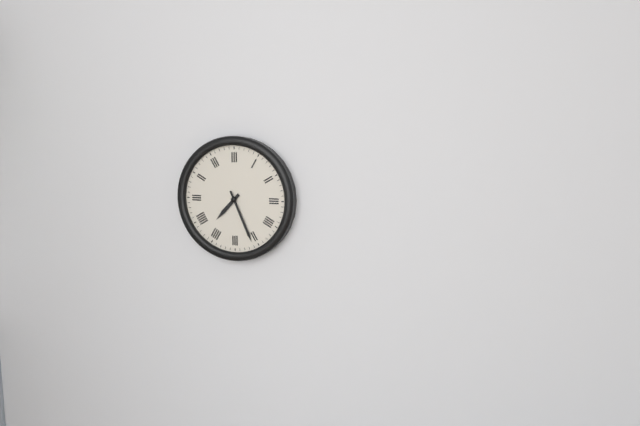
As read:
**7:26**
